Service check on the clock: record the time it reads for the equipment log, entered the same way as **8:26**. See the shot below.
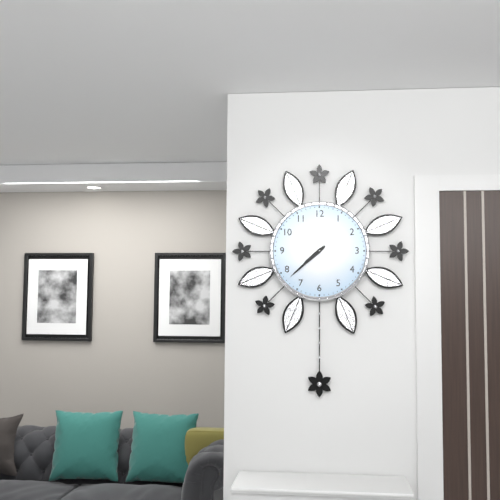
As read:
**7:38**
